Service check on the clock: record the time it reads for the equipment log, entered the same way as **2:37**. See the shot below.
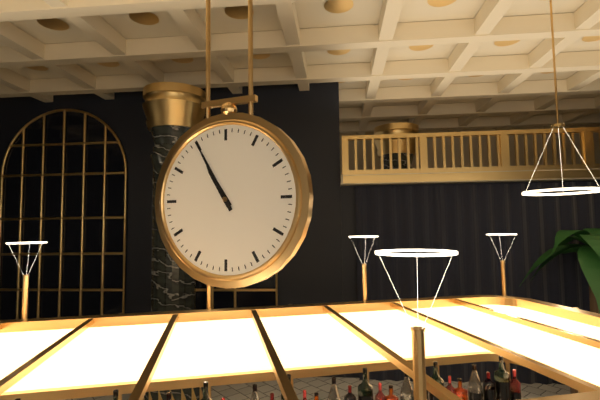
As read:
**10:55**
